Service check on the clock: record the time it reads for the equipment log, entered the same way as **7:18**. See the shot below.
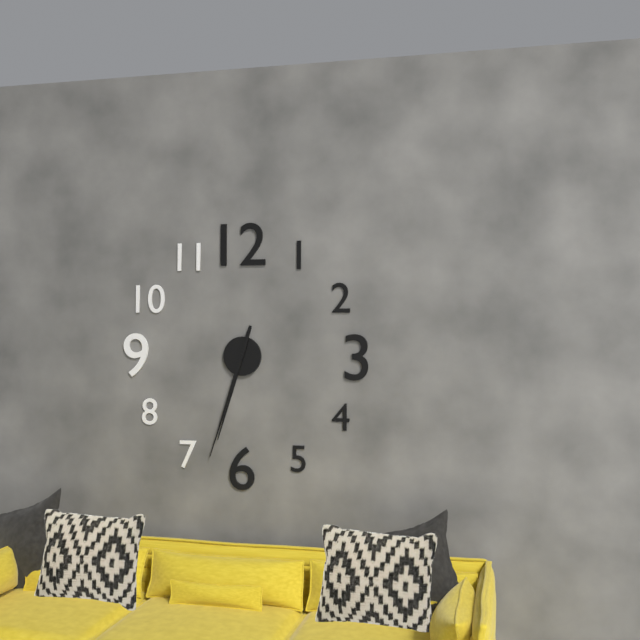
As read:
**6:33**
